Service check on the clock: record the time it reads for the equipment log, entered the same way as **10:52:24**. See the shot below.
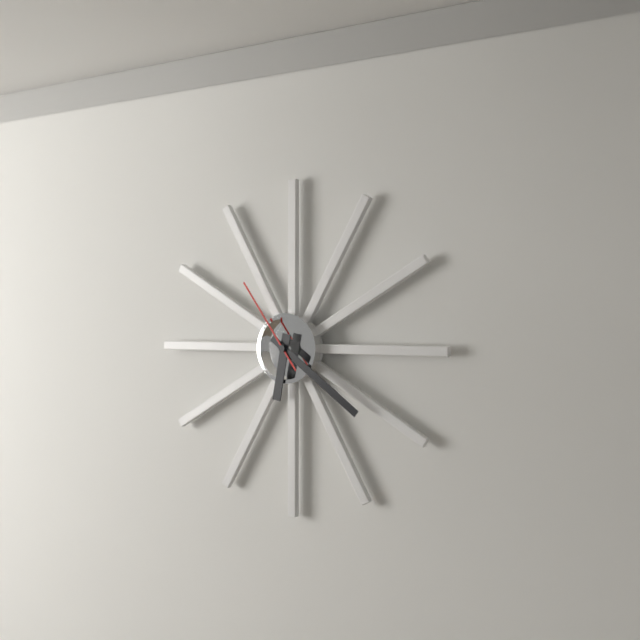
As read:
**6:21:54**
